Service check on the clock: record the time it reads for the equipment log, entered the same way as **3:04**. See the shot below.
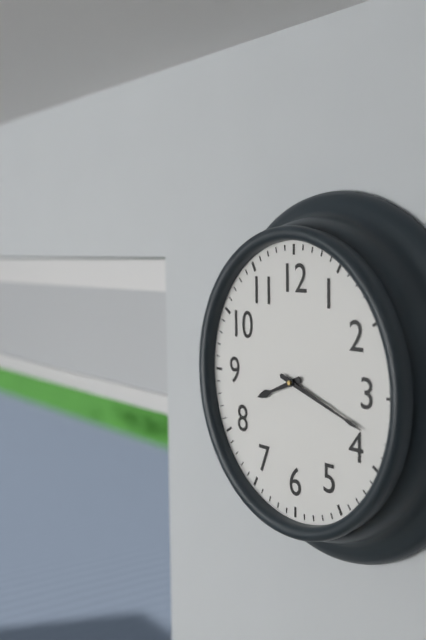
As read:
**8:18**
